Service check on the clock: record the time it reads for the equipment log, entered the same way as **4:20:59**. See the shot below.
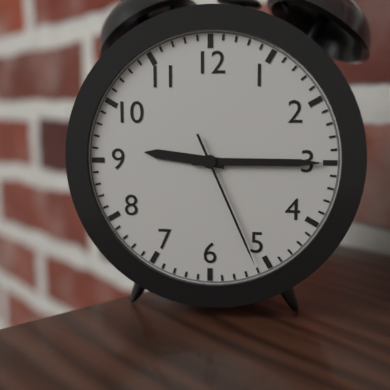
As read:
**9:15:26**
